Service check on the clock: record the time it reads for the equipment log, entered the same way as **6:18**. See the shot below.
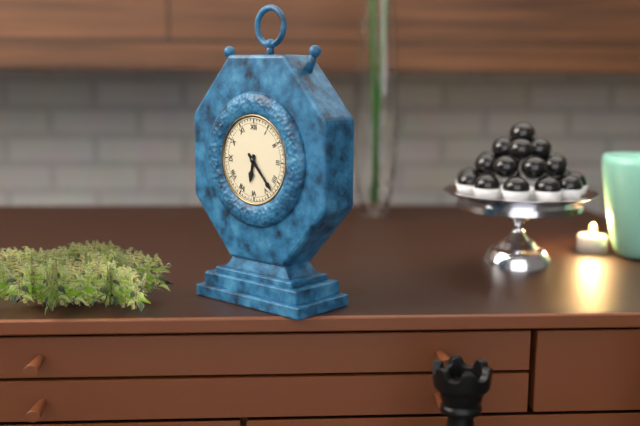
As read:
**6:23**
